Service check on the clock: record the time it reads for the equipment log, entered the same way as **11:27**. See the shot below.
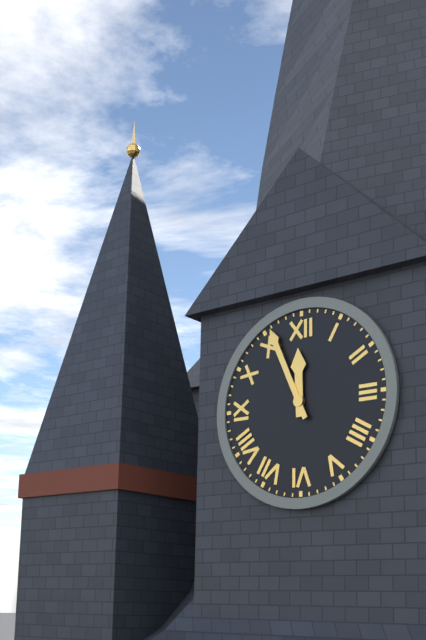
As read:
**11:56**
